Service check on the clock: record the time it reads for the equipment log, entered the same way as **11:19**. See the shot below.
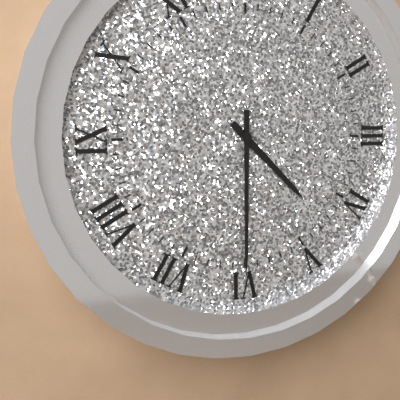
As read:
**4:30**
